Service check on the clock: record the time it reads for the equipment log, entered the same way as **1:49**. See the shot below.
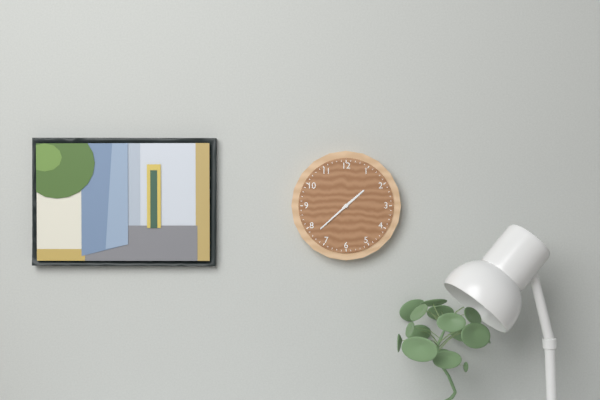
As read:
**1:38**
